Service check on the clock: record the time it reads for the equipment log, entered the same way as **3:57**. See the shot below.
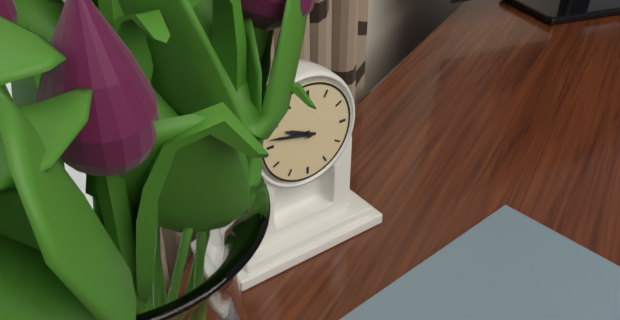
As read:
**9:47**
